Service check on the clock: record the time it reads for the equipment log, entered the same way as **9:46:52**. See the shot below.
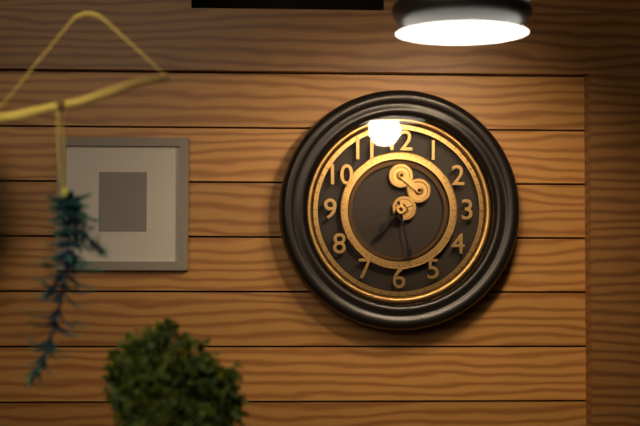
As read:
**7:28:42**
